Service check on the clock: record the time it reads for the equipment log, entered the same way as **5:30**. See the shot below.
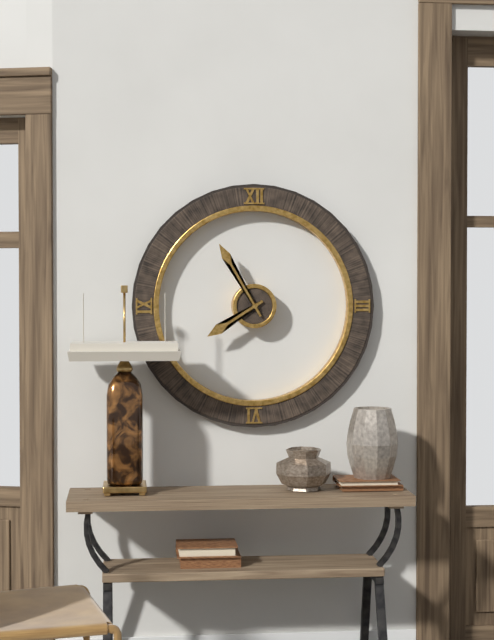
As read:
**7:55**
